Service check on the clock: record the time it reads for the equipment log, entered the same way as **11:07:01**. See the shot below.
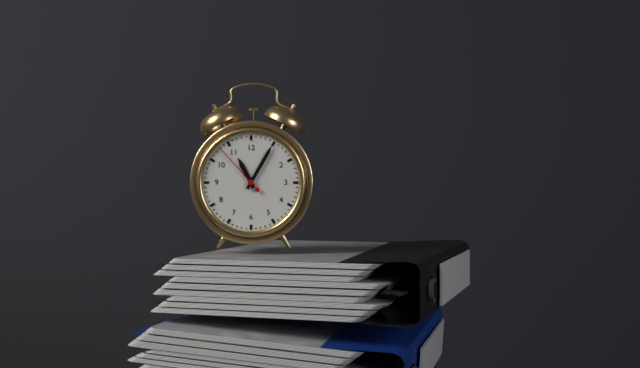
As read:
**11:05:53**
